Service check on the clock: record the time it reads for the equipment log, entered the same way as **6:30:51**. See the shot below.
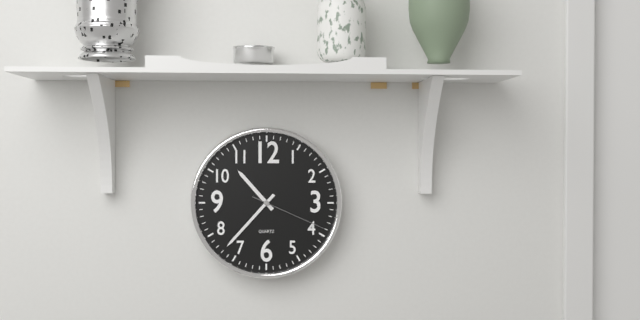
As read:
**10:37:19**
